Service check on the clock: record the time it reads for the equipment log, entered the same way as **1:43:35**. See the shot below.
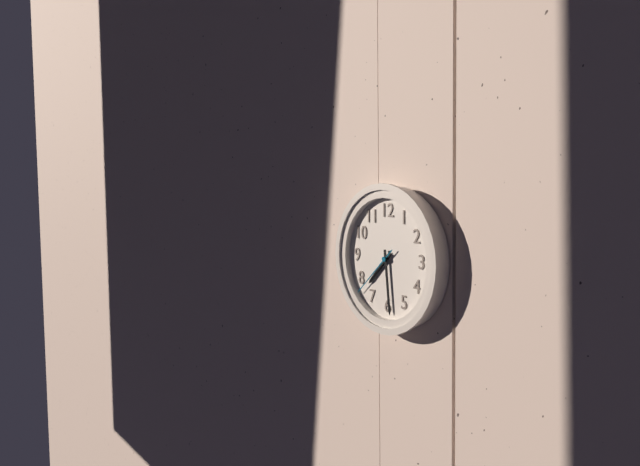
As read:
**7:29:38**
